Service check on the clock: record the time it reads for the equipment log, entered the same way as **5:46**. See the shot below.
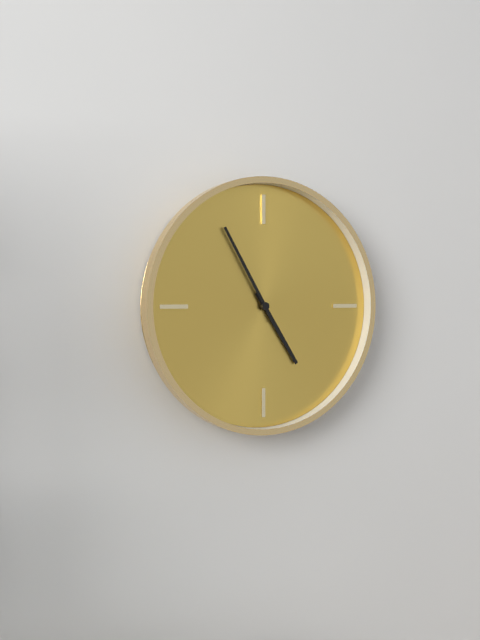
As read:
**4:55**
